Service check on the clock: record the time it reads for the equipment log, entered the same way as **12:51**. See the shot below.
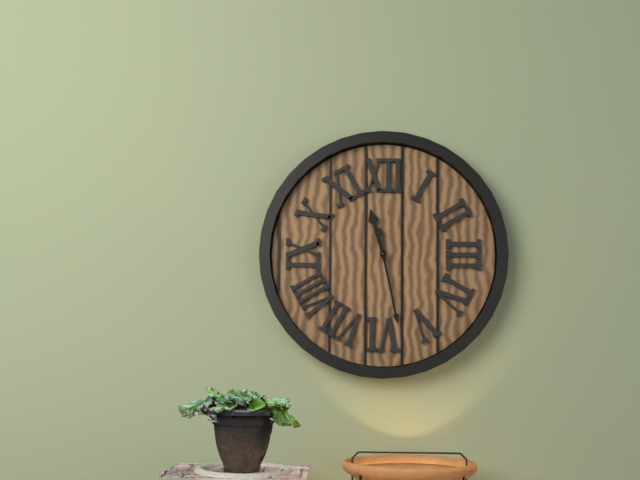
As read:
**11:28**
